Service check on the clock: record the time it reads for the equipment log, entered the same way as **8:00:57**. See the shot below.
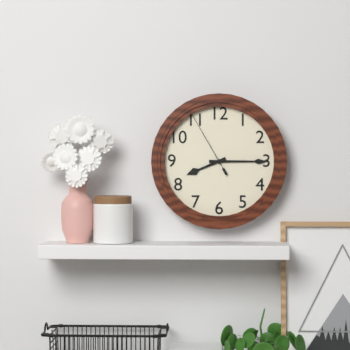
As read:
**8:15:55**
